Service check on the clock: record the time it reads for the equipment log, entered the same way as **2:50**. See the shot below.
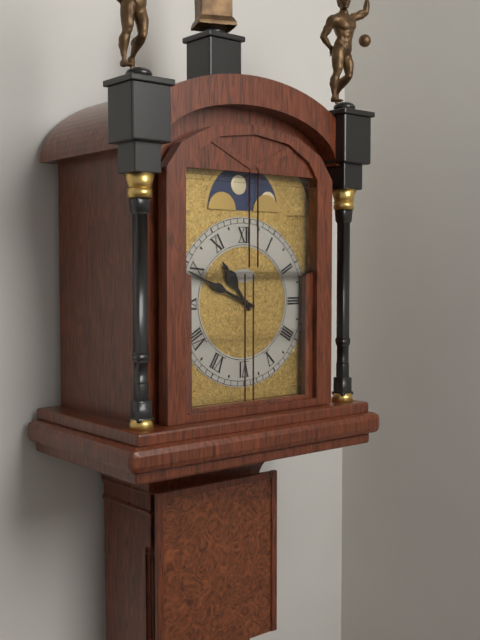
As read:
**10:49**
